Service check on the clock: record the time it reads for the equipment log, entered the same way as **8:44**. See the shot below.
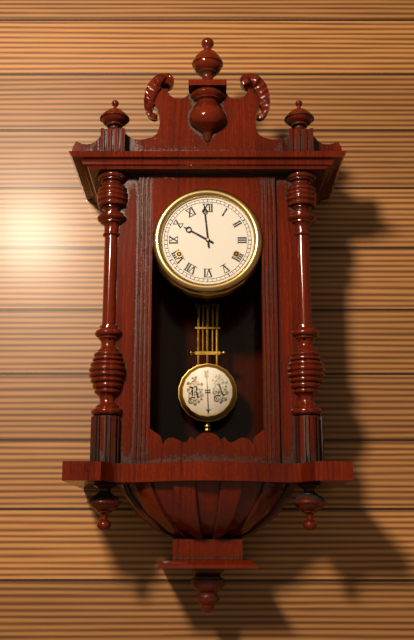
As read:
**9:59**
